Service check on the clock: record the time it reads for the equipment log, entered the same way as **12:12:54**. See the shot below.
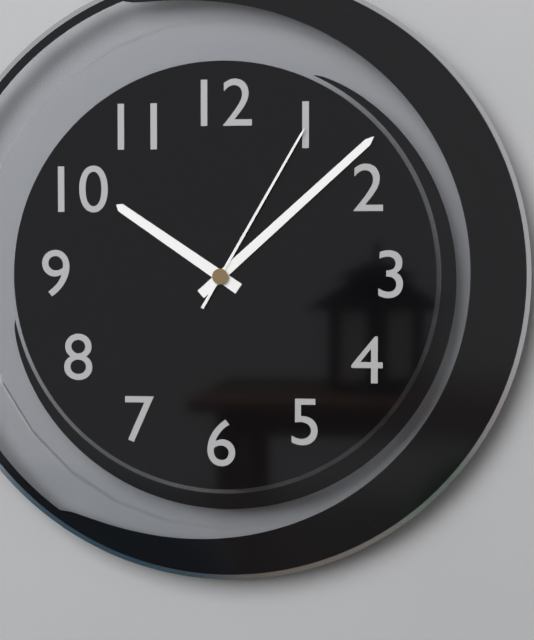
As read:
**10:08:05**
